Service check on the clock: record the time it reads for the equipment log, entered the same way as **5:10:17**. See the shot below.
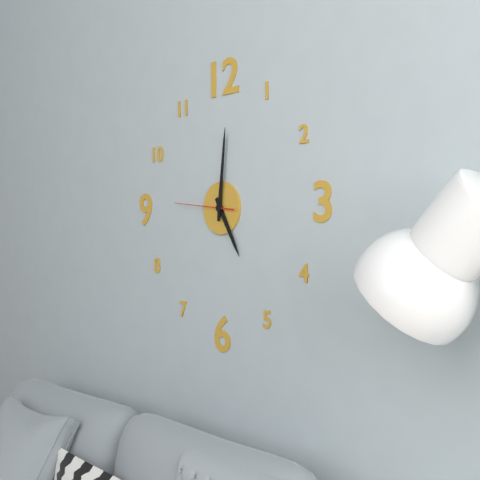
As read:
**5:01:46**
